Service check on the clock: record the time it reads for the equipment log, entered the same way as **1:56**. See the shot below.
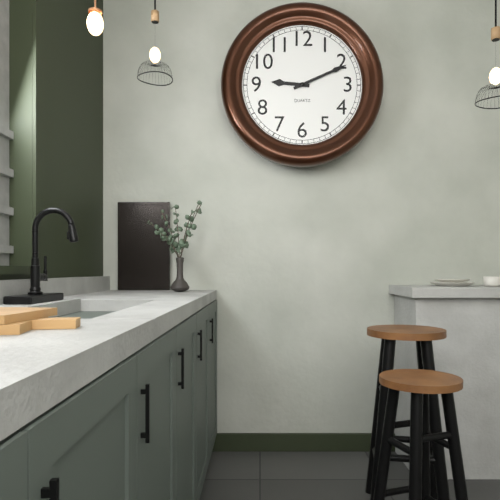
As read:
**9:11**
